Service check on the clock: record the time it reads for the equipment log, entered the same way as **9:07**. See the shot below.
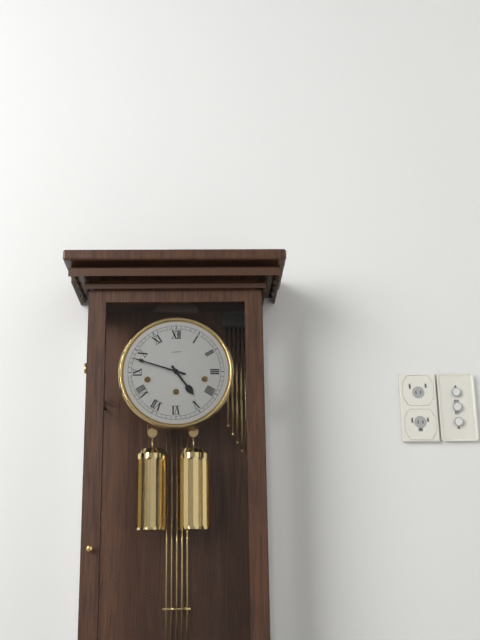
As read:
**4:48**
